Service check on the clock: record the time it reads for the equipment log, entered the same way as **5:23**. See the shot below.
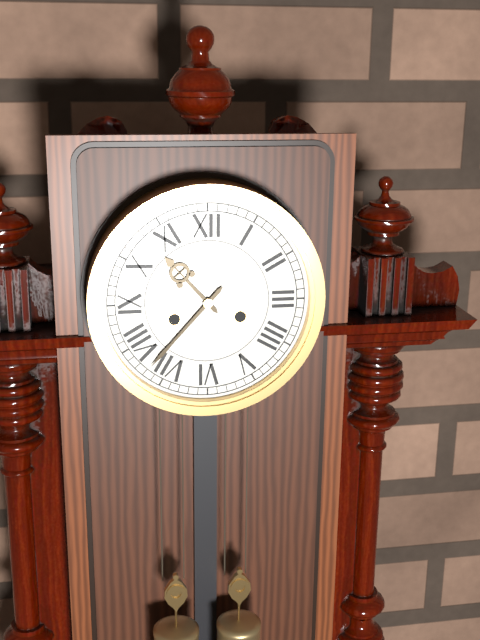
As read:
**10:37**
